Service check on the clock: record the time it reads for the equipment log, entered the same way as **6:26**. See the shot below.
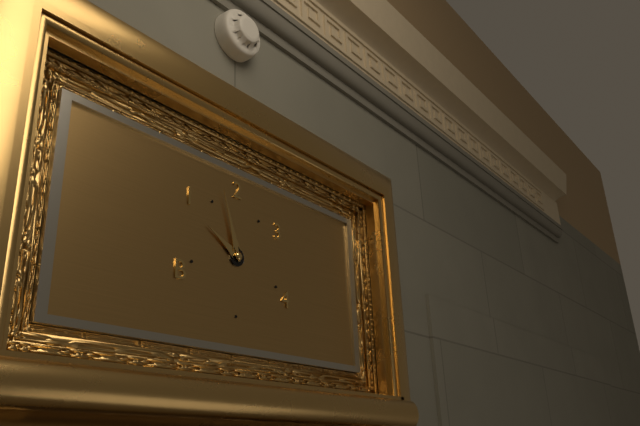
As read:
**9:57**
